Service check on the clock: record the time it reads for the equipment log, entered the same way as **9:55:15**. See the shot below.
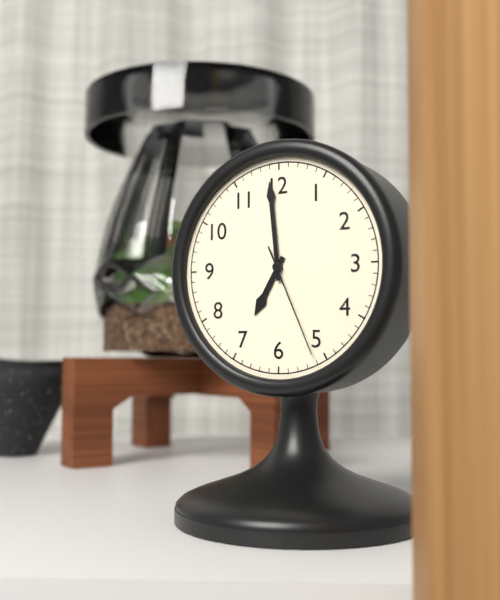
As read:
**6:59:26**
